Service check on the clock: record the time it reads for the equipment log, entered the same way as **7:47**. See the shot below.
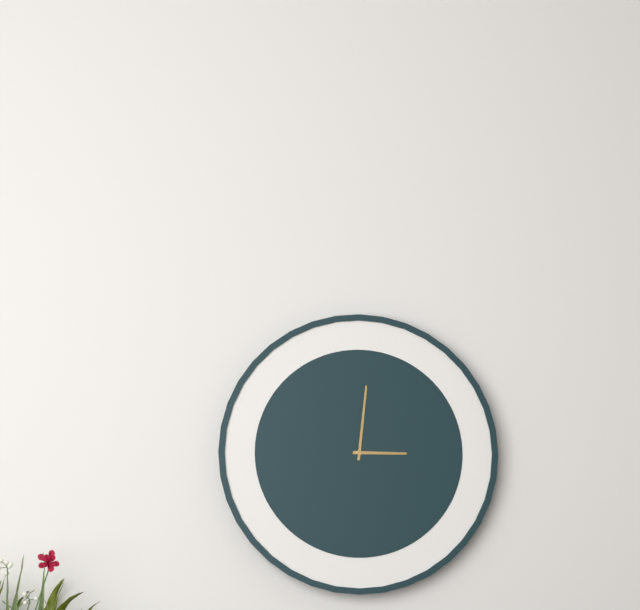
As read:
**3:01**
